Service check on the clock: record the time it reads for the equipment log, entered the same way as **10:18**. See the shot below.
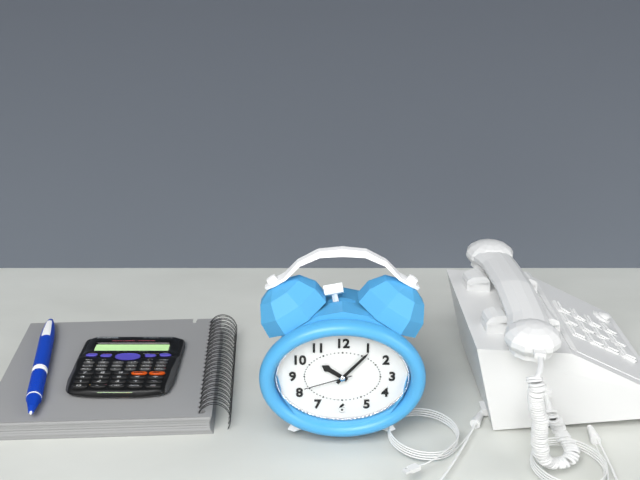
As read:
**10:07**
